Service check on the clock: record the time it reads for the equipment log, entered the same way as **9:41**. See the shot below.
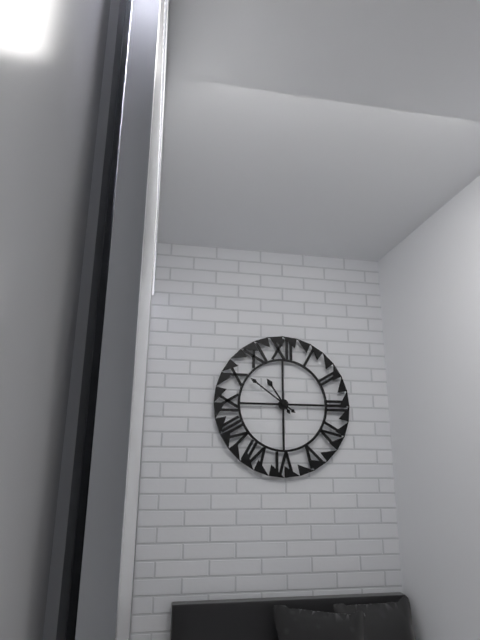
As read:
**10:51**
